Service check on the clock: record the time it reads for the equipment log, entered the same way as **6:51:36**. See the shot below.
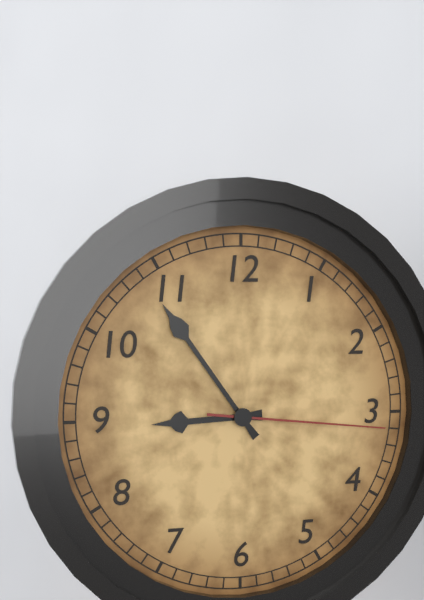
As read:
**8:54:16**
